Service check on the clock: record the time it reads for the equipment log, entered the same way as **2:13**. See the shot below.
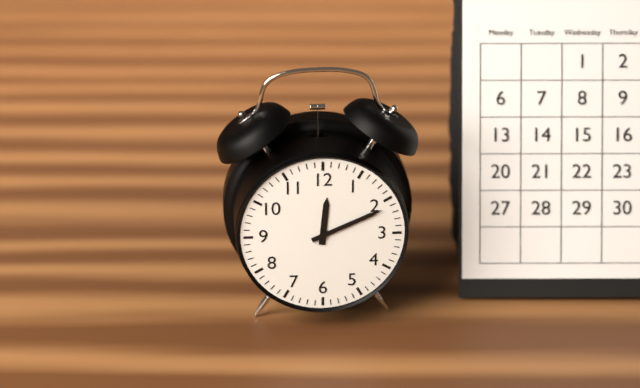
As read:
**12:11**
